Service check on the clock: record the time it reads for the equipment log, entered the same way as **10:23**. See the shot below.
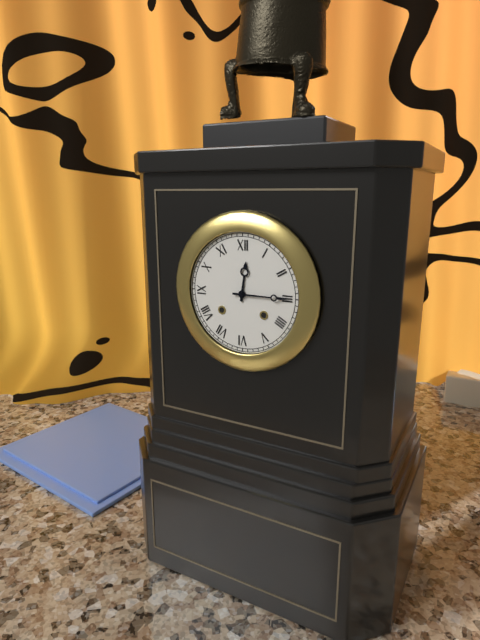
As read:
**12:15**
